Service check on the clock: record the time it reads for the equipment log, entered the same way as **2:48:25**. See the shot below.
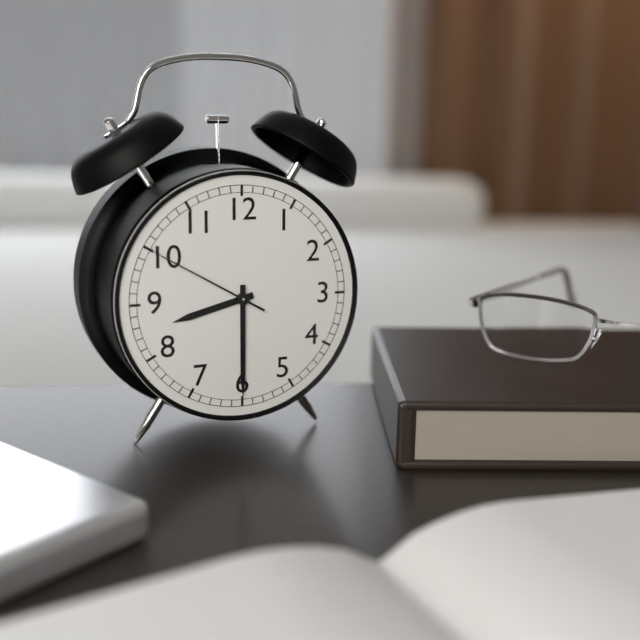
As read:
**8:30:50**
